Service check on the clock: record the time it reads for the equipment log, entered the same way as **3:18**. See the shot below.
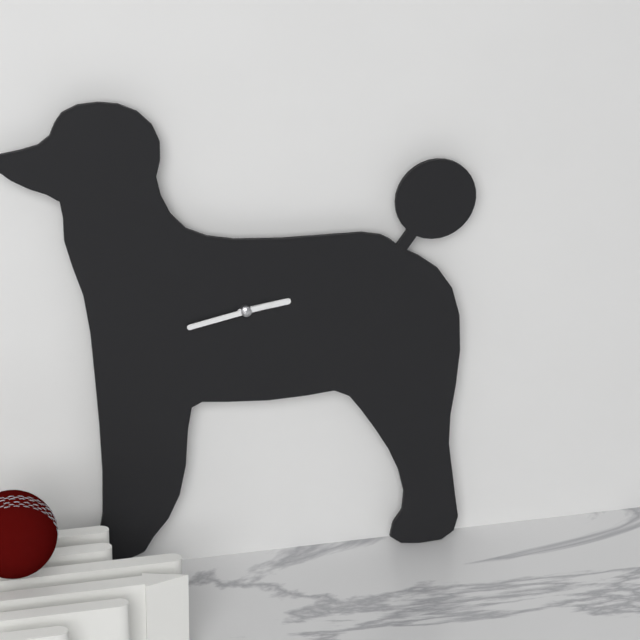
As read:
**2:43**
